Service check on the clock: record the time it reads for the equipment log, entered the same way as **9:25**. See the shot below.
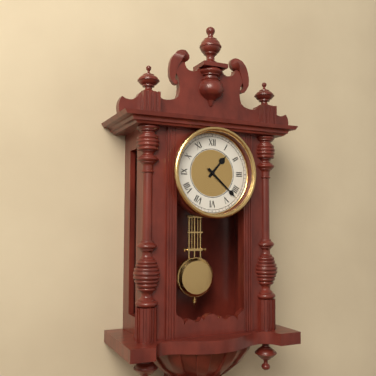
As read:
**1:22**
